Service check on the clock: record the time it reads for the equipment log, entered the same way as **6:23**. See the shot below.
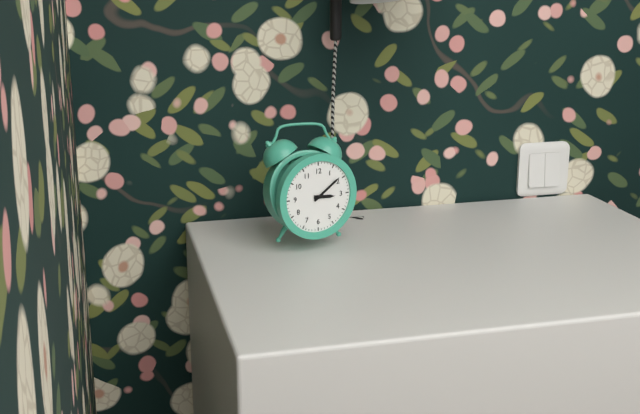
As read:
**3:09**
